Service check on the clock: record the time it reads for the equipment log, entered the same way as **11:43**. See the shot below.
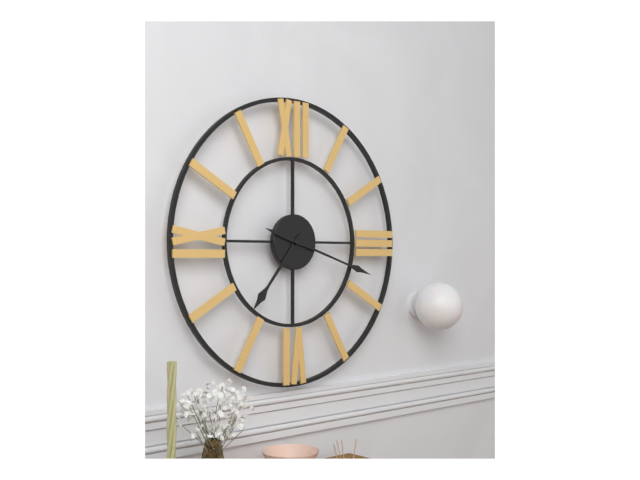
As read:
**7:18**
